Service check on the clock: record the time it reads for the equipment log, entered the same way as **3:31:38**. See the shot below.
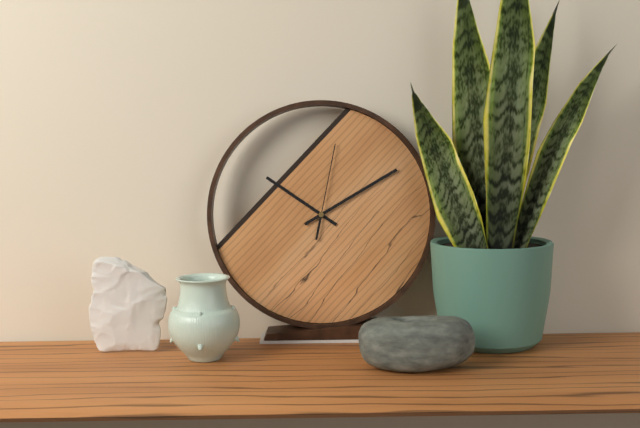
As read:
**10:10:02**
